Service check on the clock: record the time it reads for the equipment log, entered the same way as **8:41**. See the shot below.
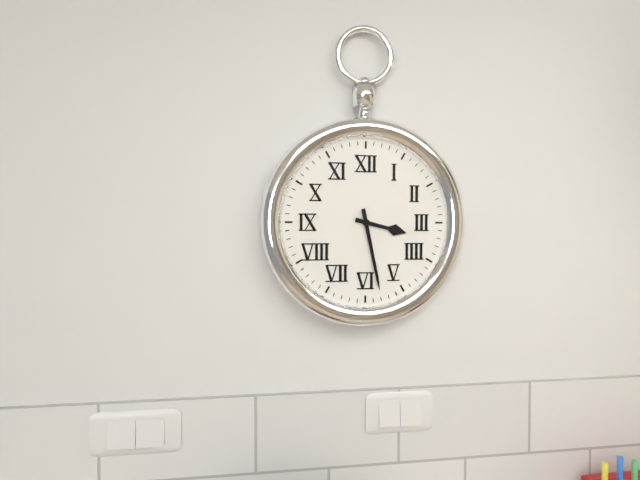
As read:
**3:28**
